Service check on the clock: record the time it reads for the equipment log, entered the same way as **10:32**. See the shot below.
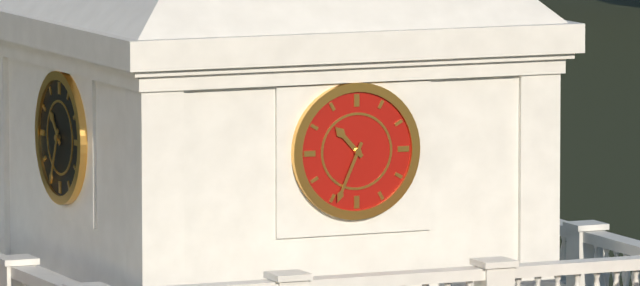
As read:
**10:34**
